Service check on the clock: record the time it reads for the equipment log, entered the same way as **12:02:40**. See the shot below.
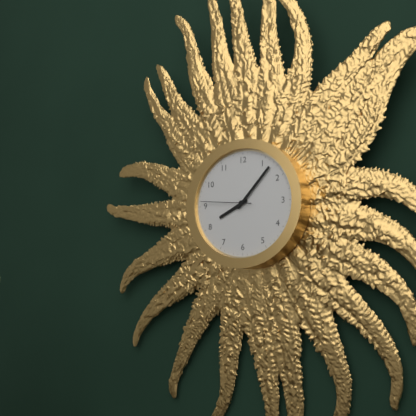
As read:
**8:07:46**
